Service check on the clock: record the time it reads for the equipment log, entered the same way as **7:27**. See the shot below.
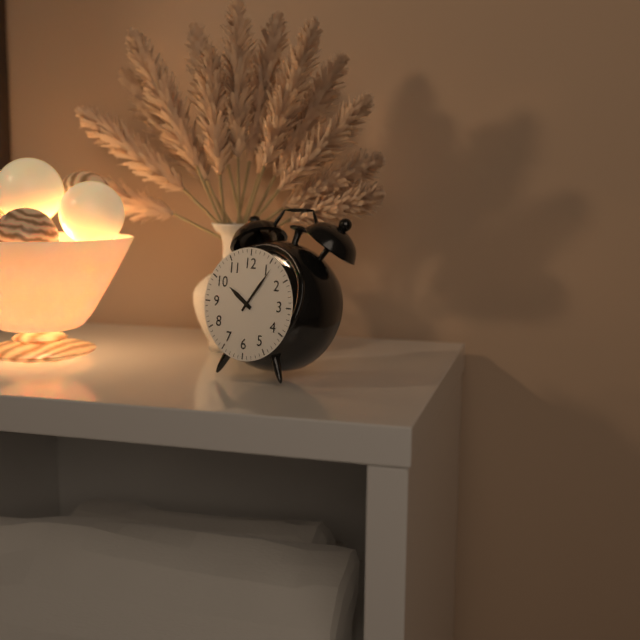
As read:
**10:06**
